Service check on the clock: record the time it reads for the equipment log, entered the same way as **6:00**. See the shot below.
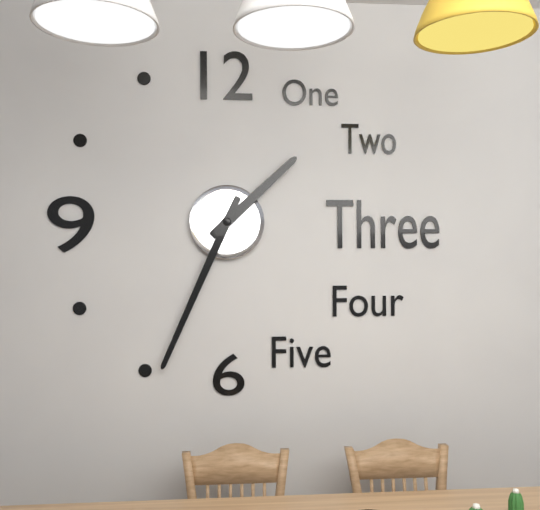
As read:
**1:34**
